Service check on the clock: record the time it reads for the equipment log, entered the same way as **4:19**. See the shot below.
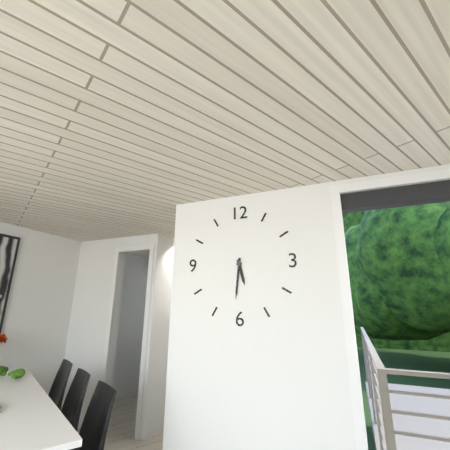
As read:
**5:31**
